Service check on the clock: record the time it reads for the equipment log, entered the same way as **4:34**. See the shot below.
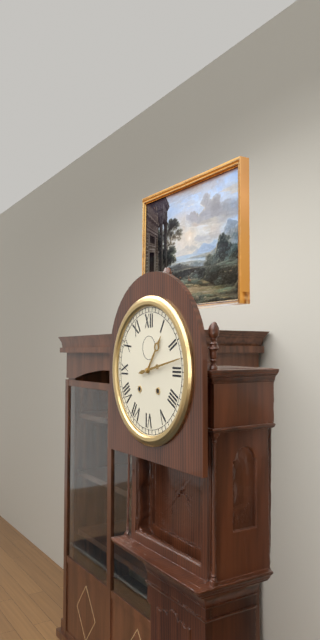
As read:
**1:13**
